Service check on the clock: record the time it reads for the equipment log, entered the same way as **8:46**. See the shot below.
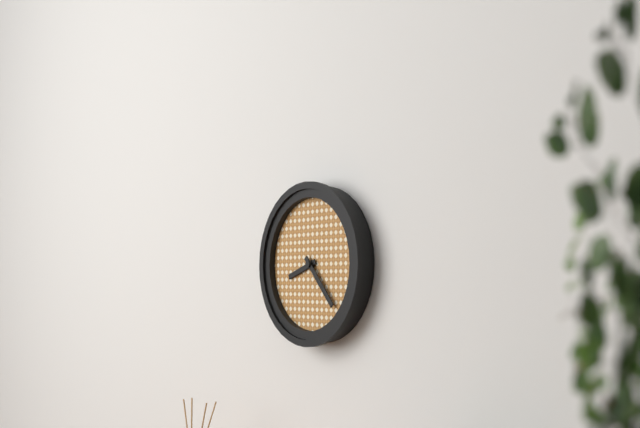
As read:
**8:23**
